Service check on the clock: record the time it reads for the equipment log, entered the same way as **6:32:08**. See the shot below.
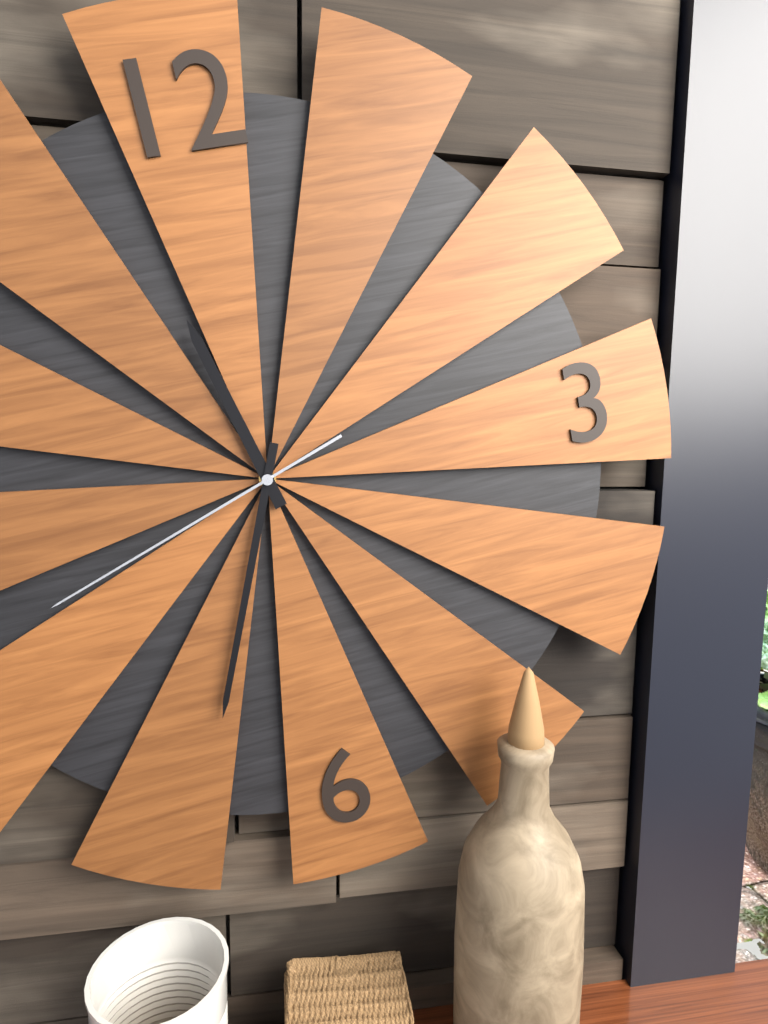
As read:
**11:34:42**
